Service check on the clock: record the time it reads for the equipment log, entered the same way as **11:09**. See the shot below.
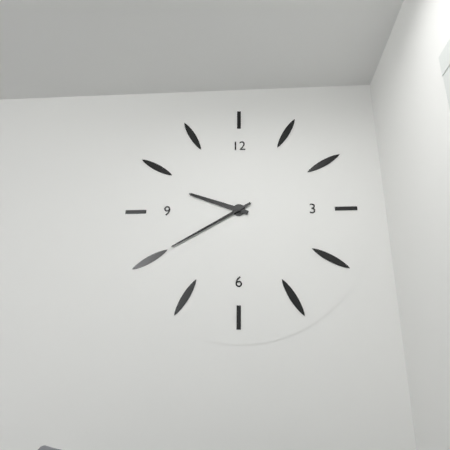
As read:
**9:40**
